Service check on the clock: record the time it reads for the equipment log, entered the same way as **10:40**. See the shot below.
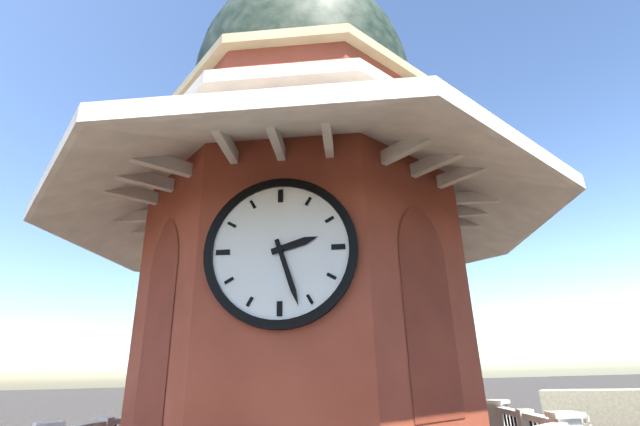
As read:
**2:27**
